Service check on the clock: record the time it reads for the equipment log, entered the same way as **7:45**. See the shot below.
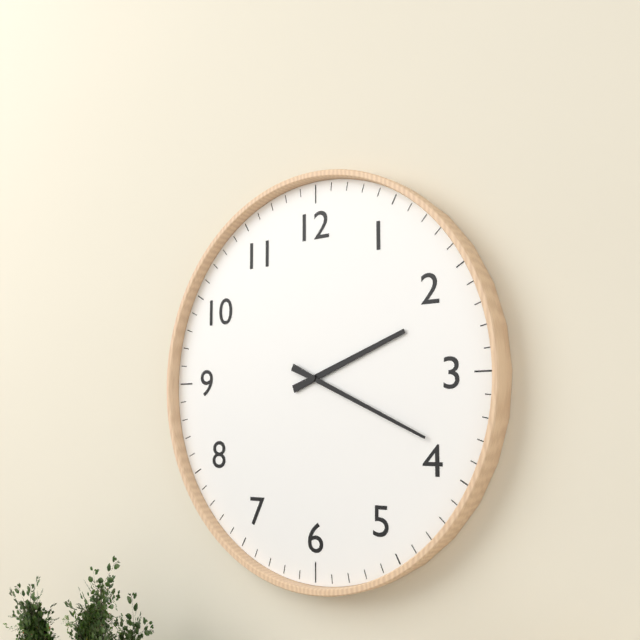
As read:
**2:19**
